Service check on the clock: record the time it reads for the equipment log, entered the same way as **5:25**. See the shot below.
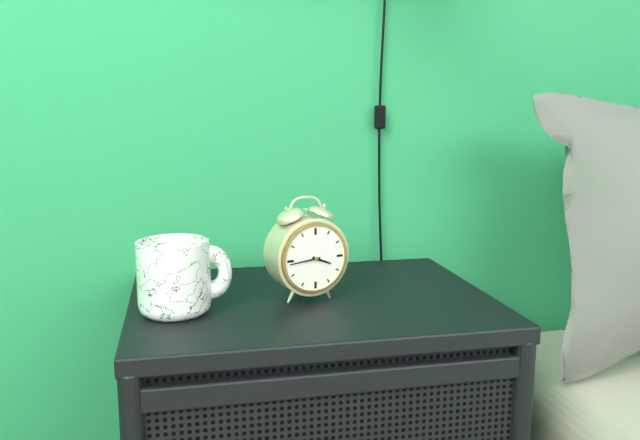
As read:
**3:44**
